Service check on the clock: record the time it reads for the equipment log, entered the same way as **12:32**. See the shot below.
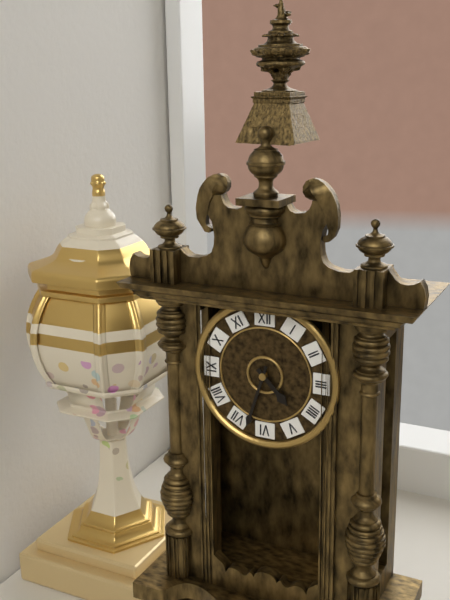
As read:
**4:33**
